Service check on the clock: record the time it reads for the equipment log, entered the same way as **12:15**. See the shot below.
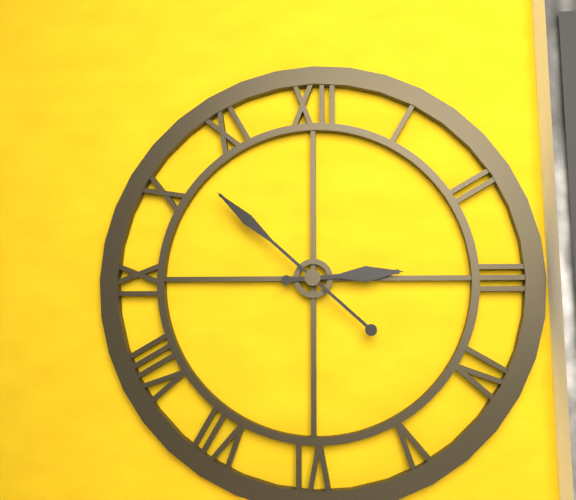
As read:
**2:52**
